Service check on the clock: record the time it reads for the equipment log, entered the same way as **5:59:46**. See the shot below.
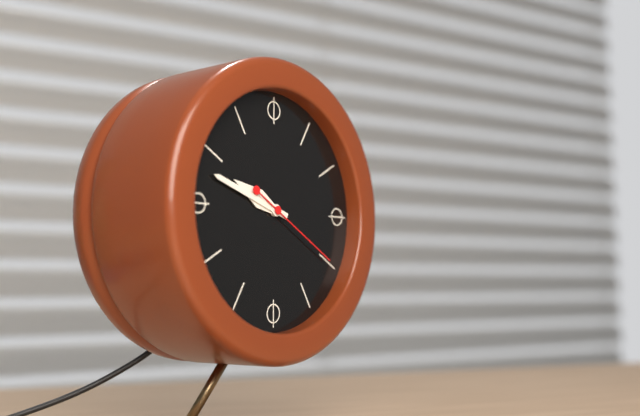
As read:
**9:48:20**
